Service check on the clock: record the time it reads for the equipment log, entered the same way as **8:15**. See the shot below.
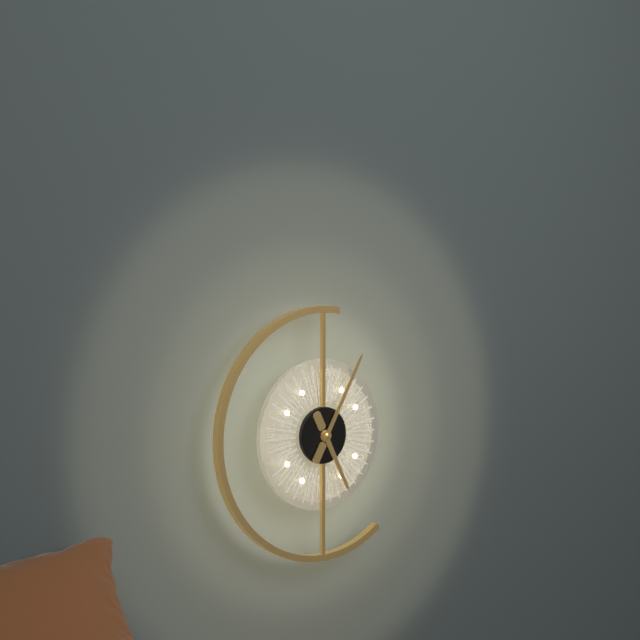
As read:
**5:05**
